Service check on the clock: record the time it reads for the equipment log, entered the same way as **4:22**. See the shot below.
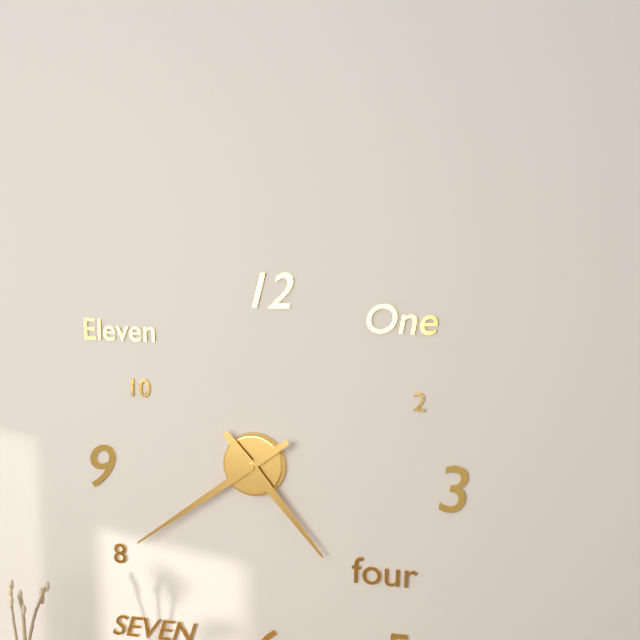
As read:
**4:39**
